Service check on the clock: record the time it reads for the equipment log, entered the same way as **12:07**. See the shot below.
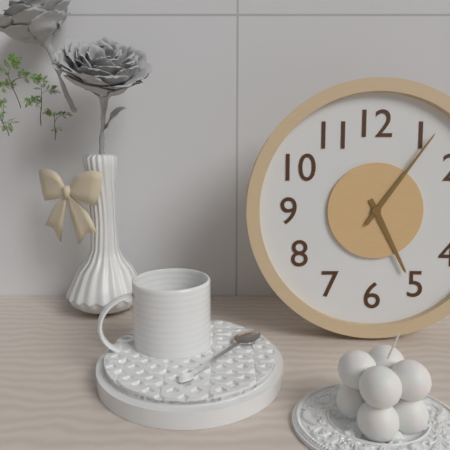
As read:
**5:06**
